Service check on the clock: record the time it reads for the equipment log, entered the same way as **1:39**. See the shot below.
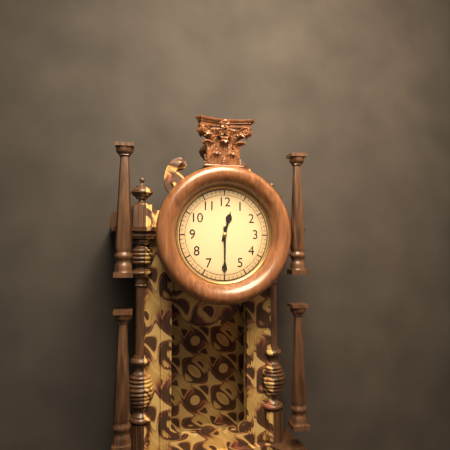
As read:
**12:30**
